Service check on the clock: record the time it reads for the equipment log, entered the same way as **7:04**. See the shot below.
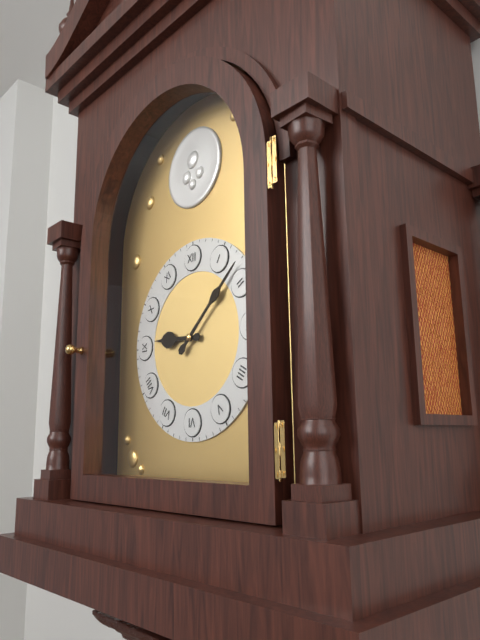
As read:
**9:08**
